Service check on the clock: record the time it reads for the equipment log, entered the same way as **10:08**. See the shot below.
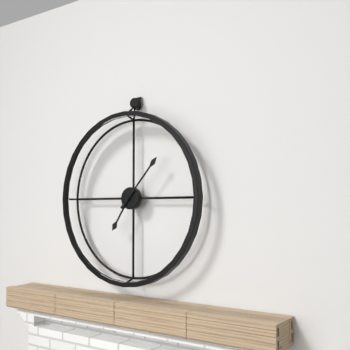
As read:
**7:07**
